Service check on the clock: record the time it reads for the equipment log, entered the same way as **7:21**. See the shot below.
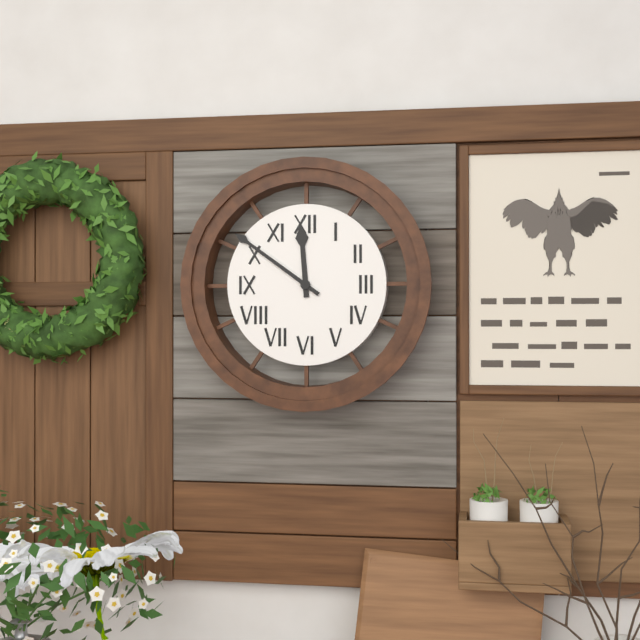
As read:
**11:51**
